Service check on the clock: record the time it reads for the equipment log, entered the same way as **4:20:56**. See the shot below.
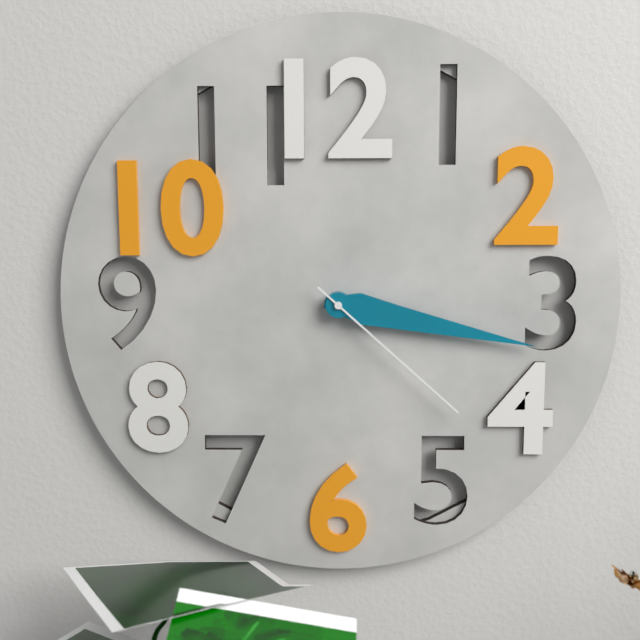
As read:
**3:17:22**
